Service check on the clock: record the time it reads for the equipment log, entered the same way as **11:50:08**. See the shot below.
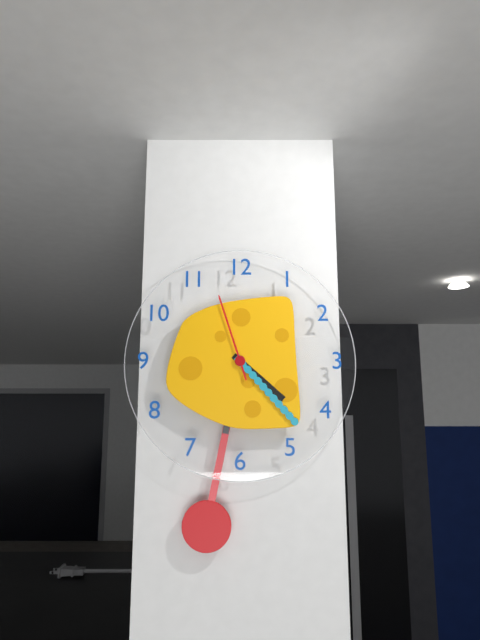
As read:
**4:23:57**
